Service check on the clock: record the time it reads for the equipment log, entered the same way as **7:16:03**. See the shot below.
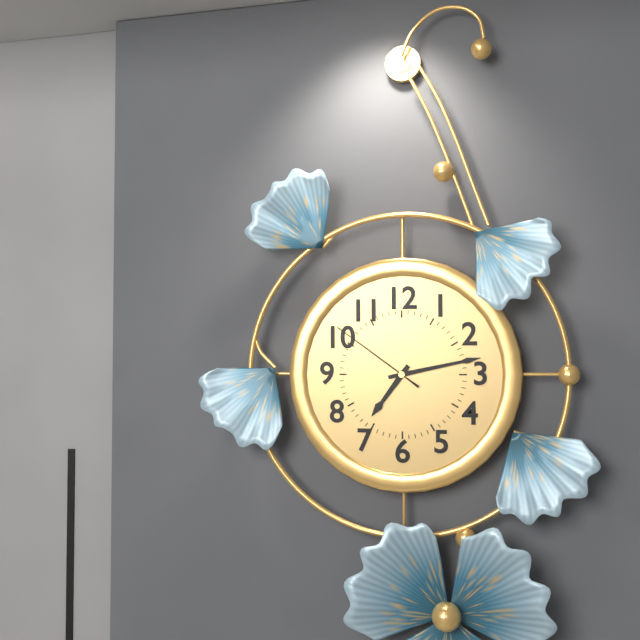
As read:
**7:13:51**
